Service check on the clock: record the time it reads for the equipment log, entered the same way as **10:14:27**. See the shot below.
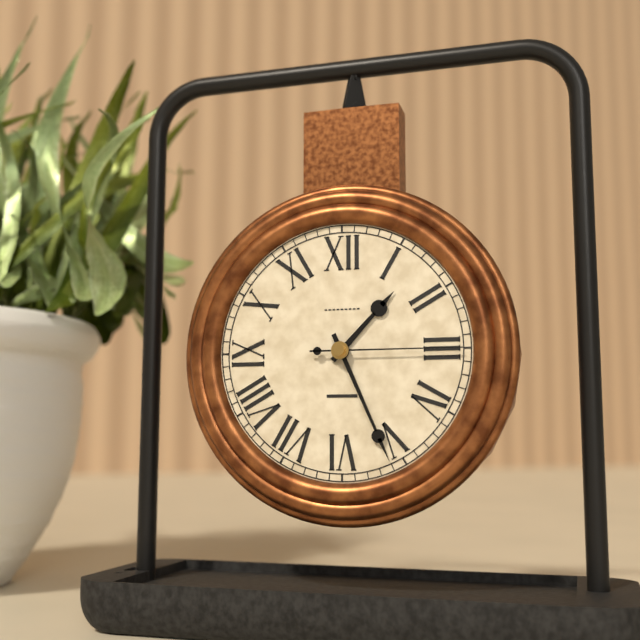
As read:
**1:26:15**
